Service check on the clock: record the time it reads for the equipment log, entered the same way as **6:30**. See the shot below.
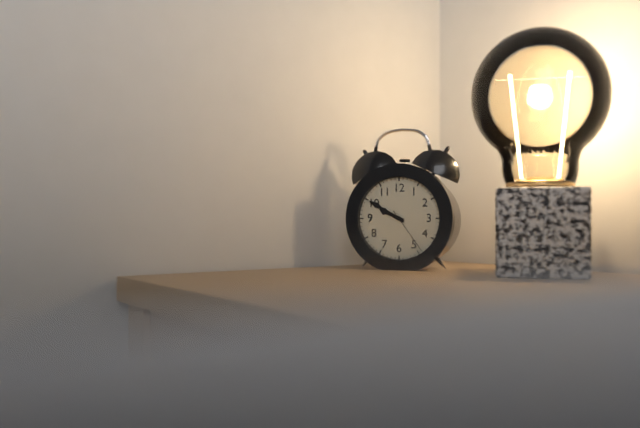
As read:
**9:50**
